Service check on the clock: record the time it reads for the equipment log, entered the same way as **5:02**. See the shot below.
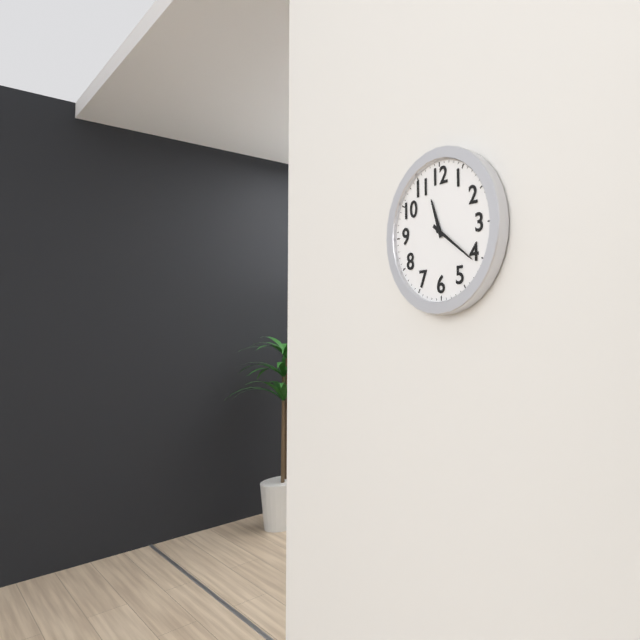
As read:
**11:21**
